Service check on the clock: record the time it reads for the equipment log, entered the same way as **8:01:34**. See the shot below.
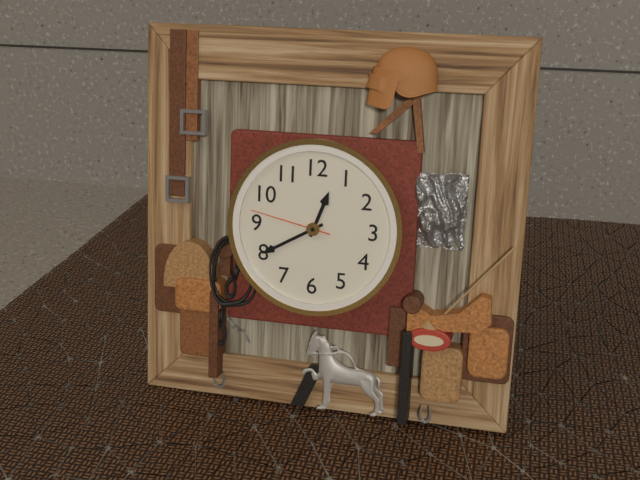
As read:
**12:40:47**
